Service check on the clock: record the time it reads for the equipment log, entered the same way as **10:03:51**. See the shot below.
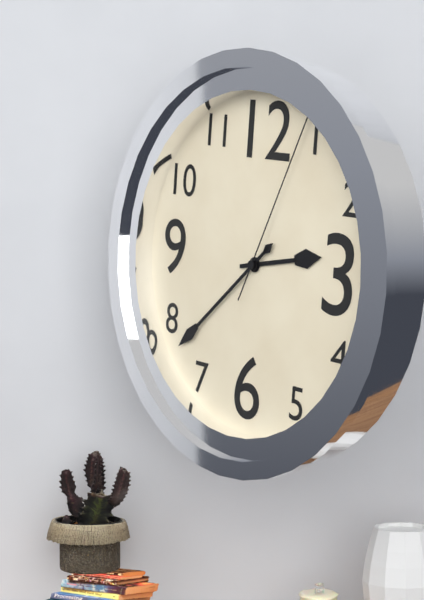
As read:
**2:38:04**
